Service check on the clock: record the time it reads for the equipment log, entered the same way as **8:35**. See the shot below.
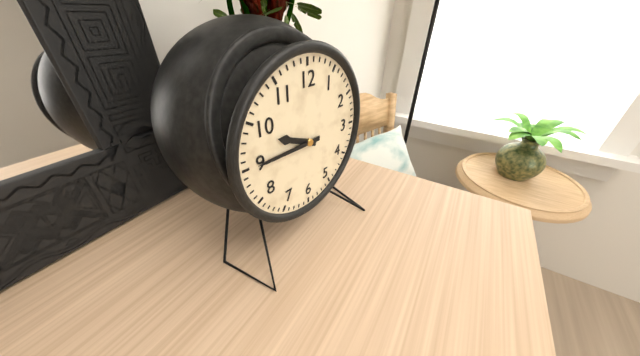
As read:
**9:45**
